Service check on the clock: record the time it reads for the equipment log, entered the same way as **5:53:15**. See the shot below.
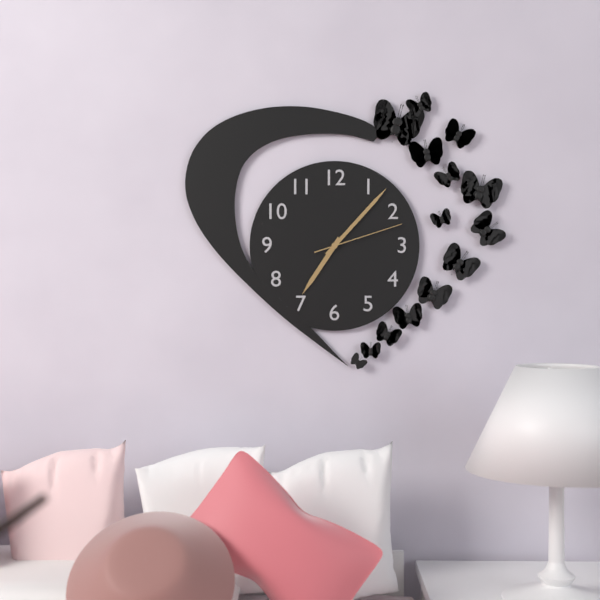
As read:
**7:07:12**
